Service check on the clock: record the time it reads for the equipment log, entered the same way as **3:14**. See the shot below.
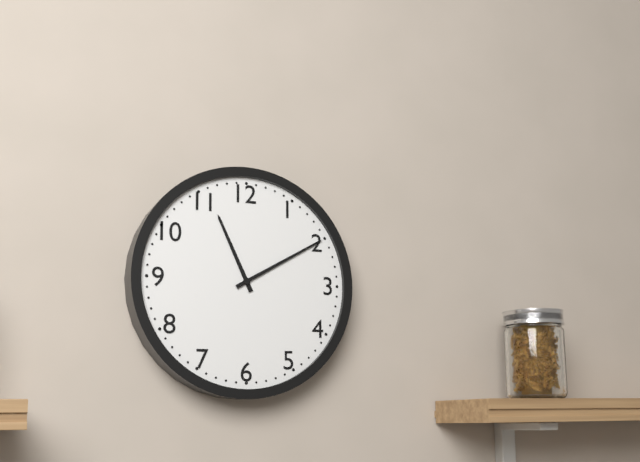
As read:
**11:10**
